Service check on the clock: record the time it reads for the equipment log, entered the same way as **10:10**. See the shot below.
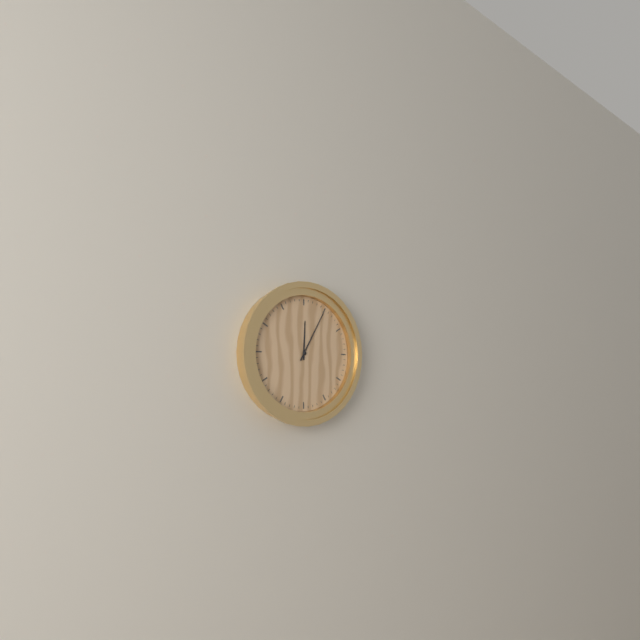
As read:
**12:05**
